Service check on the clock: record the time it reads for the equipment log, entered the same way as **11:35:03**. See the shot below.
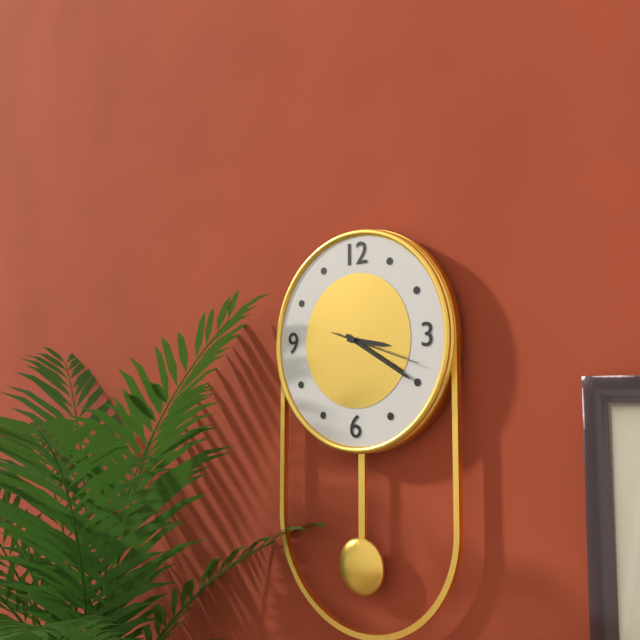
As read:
**3:20:18**
